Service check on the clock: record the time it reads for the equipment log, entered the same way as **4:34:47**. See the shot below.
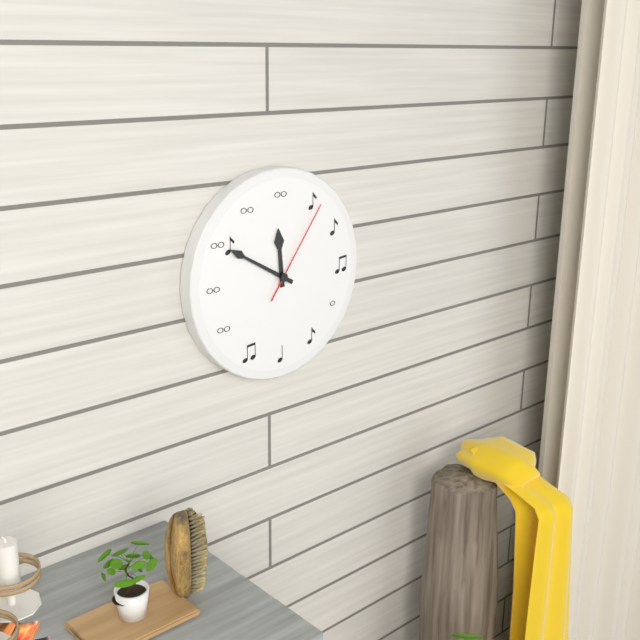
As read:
**11:50:06**
